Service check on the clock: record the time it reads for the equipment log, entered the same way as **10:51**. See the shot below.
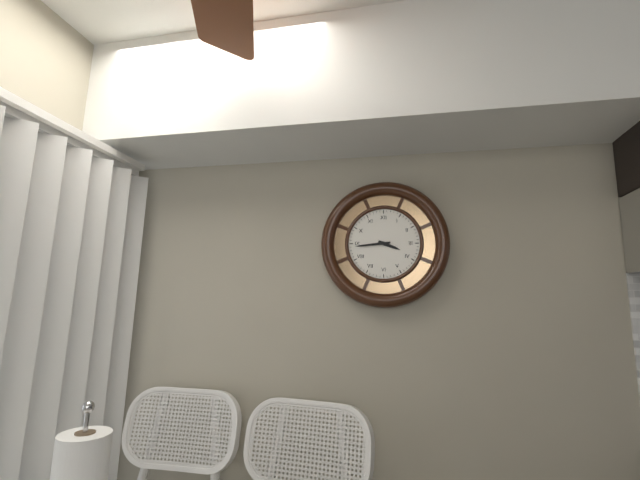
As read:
**3:44**
